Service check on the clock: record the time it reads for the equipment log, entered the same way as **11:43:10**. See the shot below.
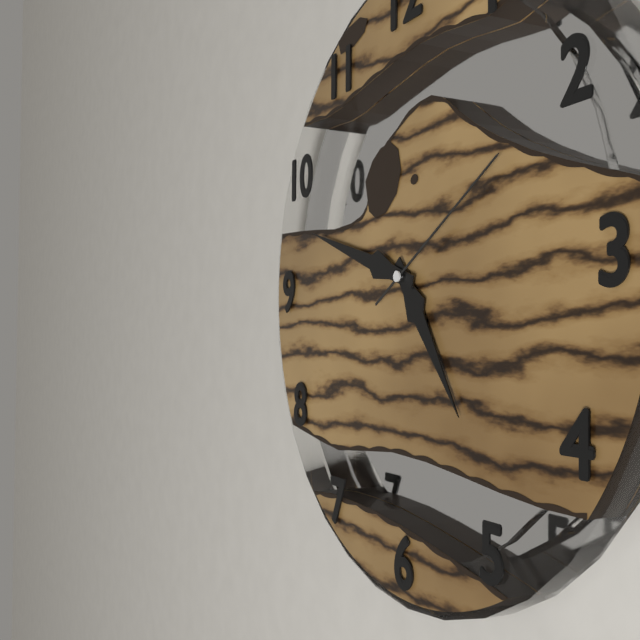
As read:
**4:48:10**
